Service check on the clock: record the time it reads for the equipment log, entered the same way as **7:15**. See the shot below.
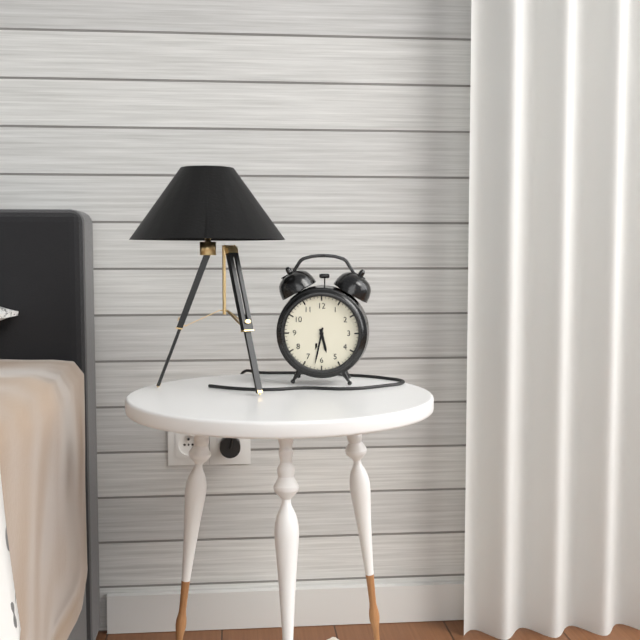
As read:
**5:32**
